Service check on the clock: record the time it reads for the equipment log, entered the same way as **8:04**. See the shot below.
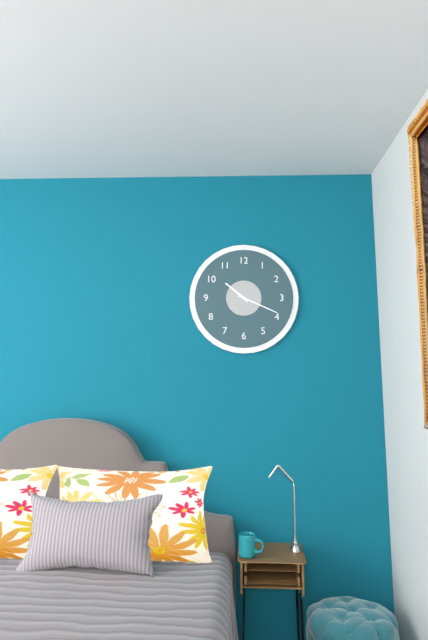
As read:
**10:19**
